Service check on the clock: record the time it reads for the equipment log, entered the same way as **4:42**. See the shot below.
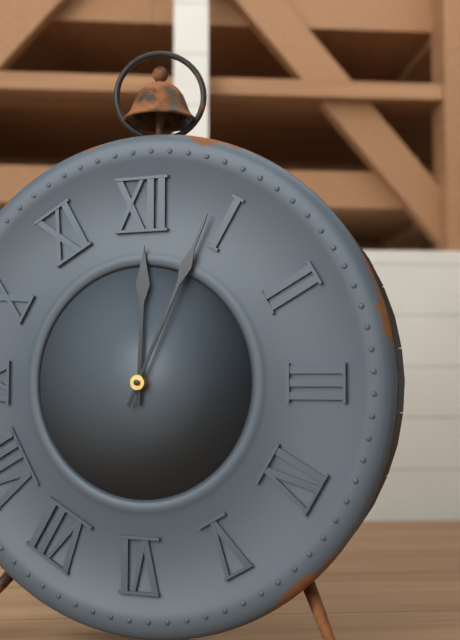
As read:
**12:04**
